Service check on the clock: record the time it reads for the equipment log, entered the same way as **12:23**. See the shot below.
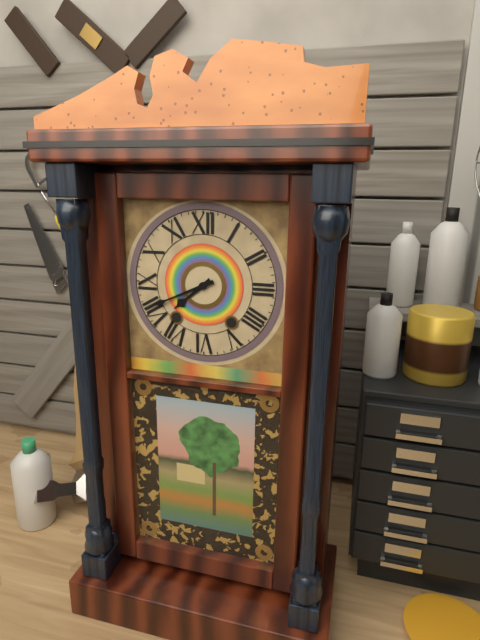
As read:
**7:41**
